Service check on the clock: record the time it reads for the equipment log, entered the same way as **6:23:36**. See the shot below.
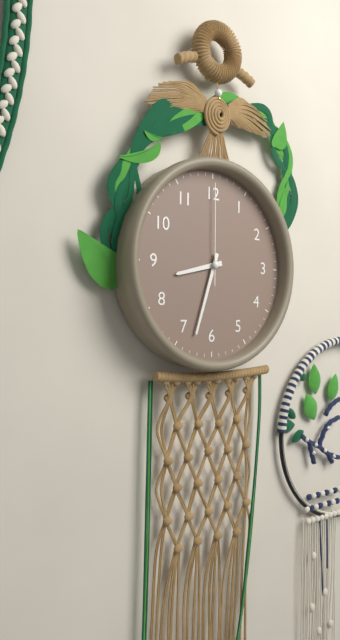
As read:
**8:33:00**
